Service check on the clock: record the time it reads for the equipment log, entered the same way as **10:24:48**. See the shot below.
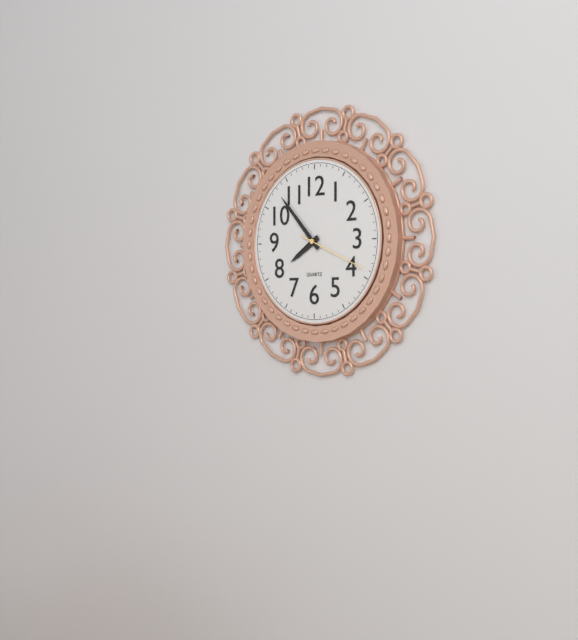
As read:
**7:53:19**
